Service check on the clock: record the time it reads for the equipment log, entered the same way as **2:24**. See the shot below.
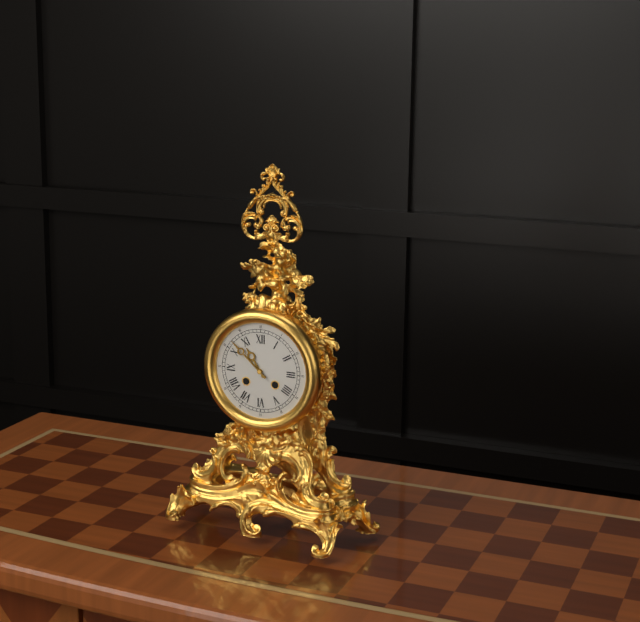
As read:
**10:52**
